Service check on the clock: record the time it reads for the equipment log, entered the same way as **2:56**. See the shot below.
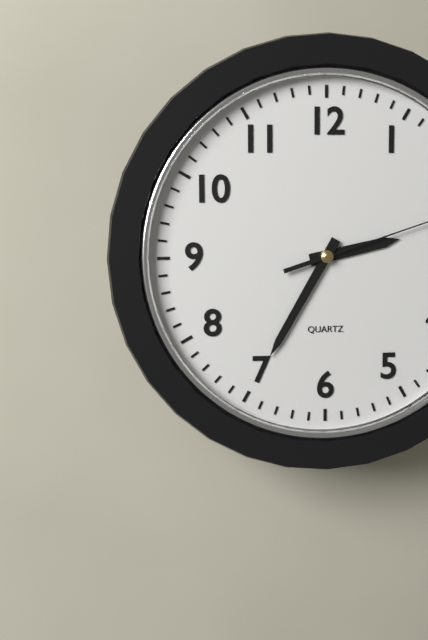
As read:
**2:35**
